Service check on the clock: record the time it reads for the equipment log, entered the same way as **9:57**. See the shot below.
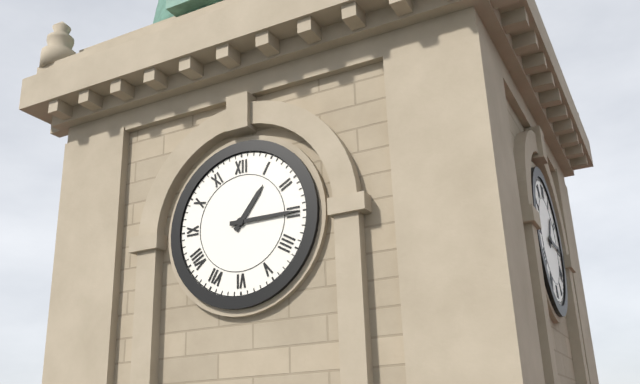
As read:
**1:15**
